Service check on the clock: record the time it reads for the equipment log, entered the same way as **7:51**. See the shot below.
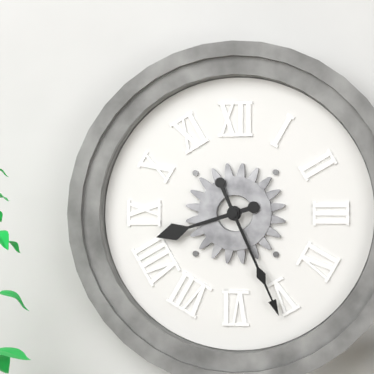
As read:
**8:26**
